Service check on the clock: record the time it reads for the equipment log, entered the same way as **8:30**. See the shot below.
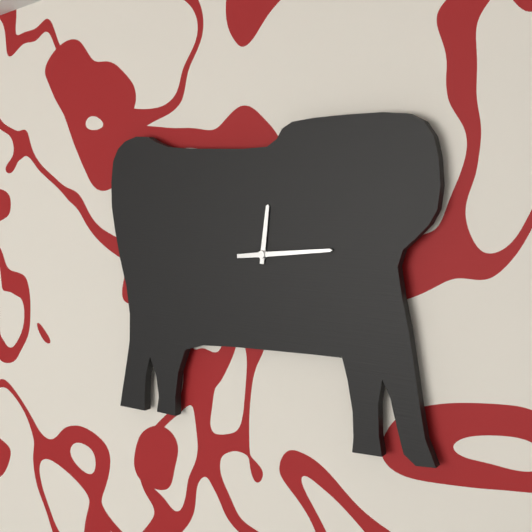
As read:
**12:14**
